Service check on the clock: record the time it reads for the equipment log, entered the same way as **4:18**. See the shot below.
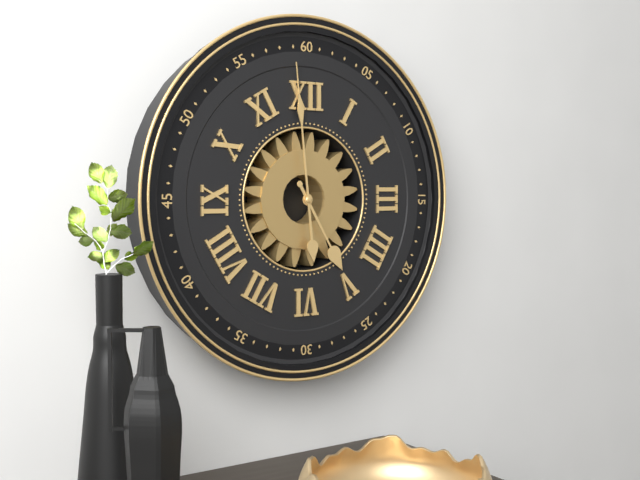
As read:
**4:59**
